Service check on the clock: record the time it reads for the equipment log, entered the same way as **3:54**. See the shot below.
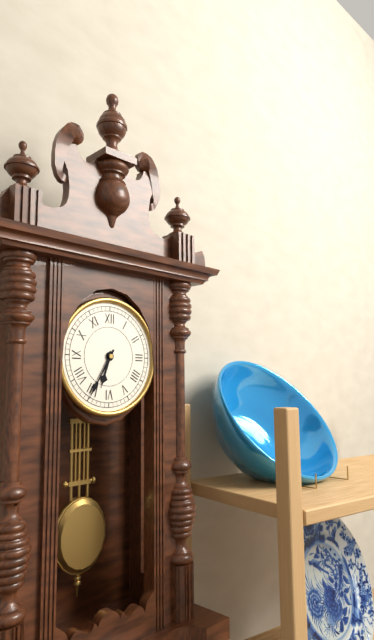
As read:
**6:35**
